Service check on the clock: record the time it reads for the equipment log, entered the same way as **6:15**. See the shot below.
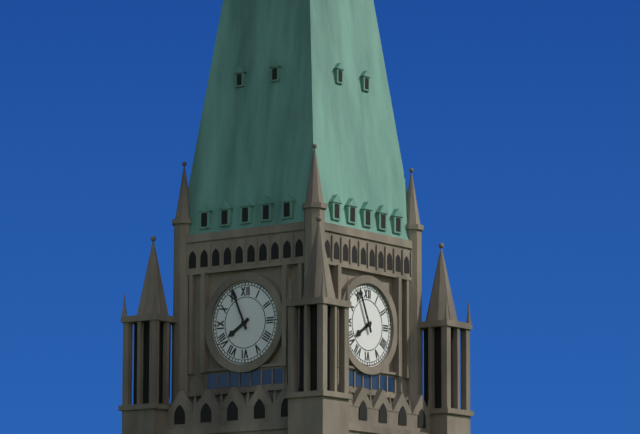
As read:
**7:56**
